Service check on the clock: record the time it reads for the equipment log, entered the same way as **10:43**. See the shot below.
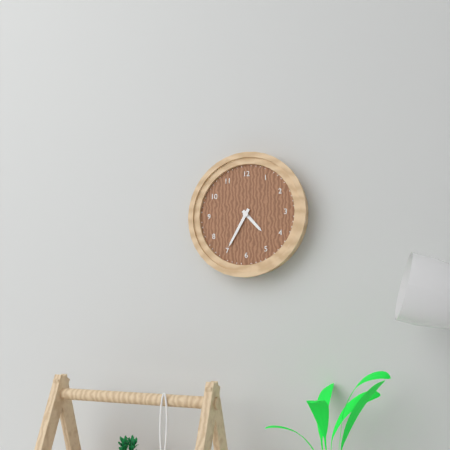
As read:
**4:35**
